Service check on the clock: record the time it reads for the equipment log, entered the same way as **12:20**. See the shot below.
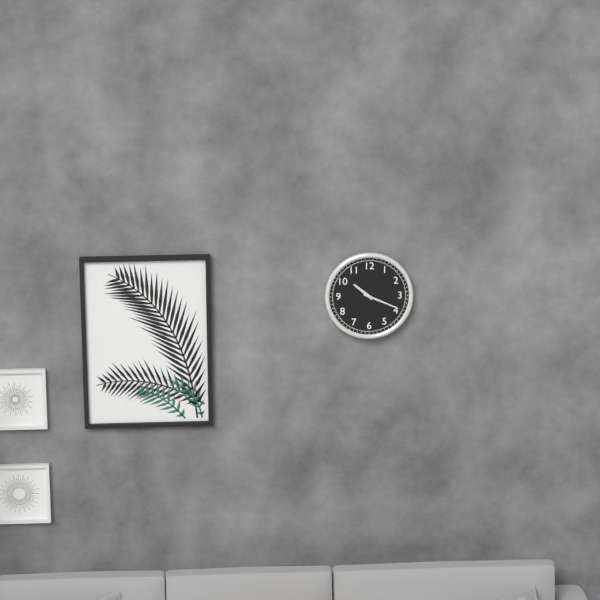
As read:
**10:19**
